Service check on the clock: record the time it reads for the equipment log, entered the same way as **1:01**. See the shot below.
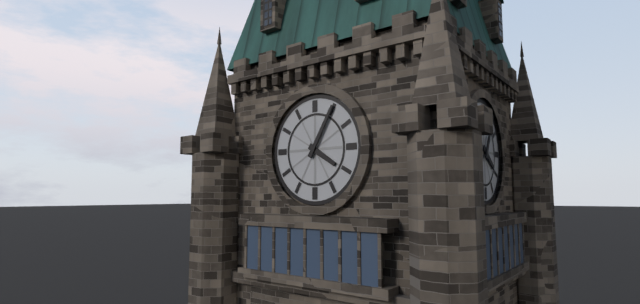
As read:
**4:05**
